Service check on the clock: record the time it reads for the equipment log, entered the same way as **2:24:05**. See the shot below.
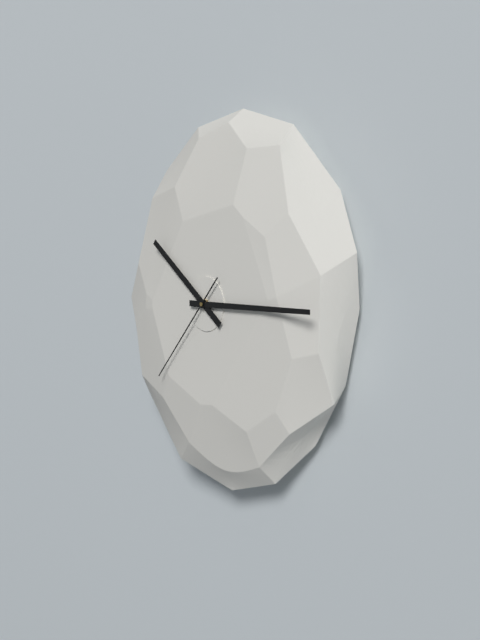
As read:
**10:15:37**
